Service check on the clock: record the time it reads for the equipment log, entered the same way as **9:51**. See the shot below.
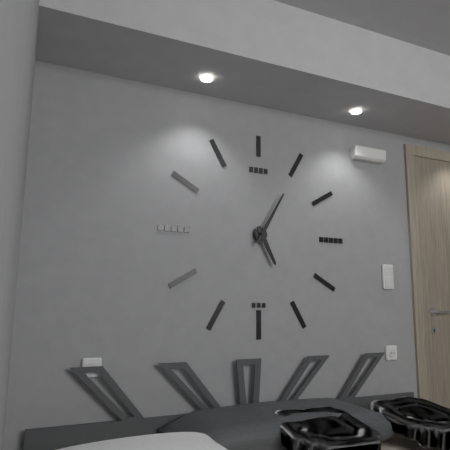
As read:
**5:05**
